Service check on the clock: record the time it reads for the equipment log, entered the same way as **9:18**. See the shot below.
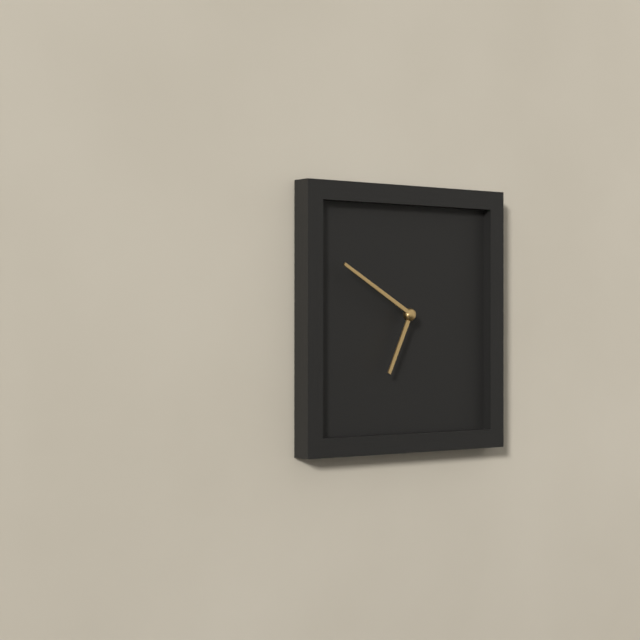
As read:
**6:50**
